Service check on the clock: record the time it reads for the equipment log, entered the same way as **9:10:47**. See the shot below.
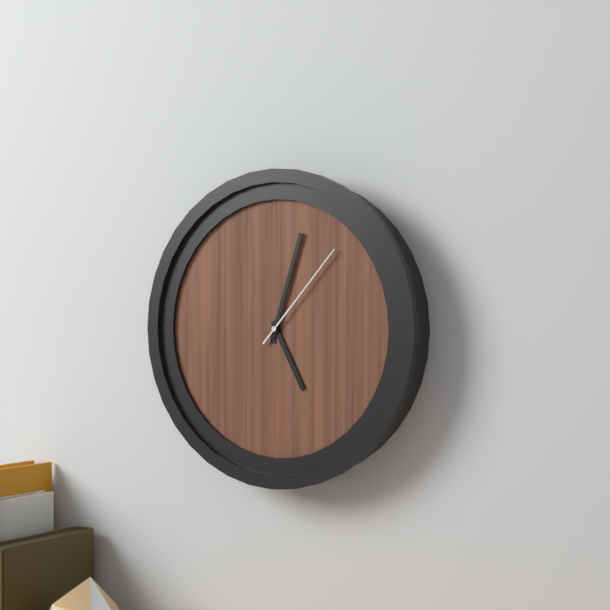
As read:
**5:03:07**
